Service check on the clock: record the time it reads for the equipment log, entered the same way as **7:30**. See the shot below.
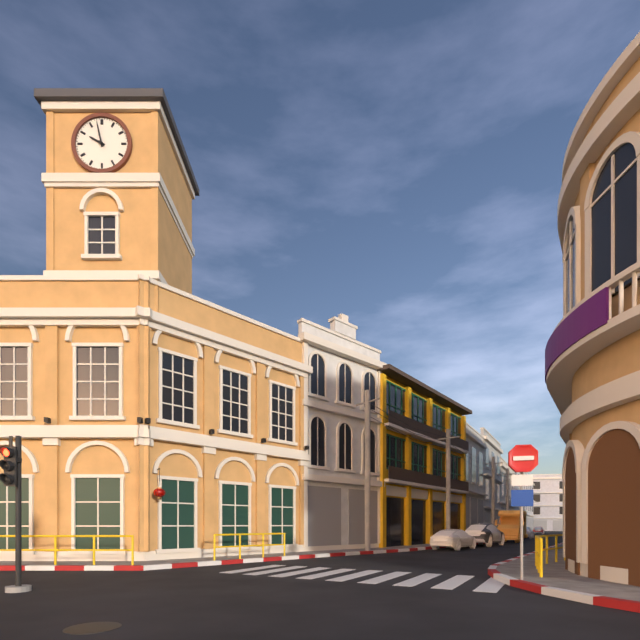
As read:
**9:58**
